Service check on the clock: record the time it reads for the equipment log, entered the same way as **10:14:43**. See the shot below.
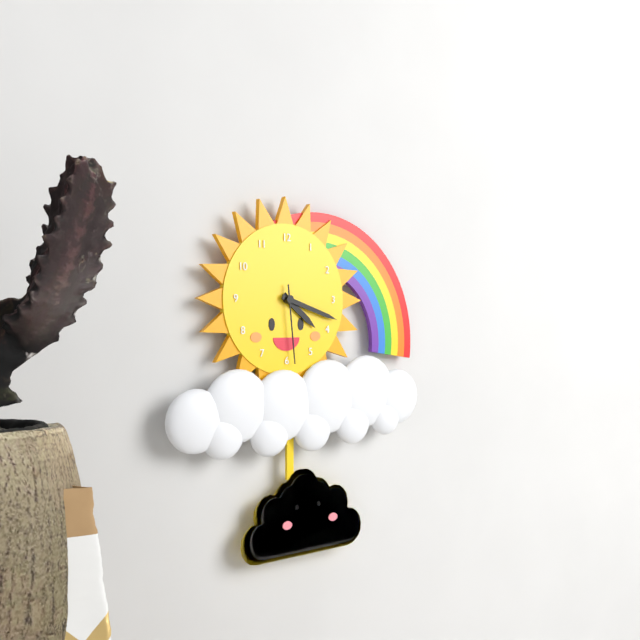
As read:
**4:18:29**
